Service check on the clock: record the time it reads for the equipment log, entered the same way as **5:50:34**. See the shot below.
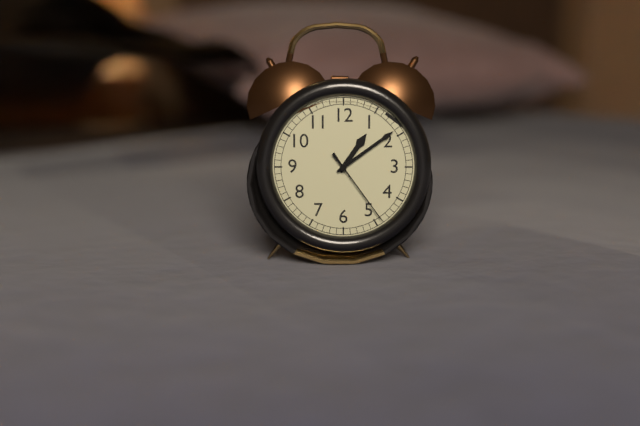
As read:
**1:09:24**
